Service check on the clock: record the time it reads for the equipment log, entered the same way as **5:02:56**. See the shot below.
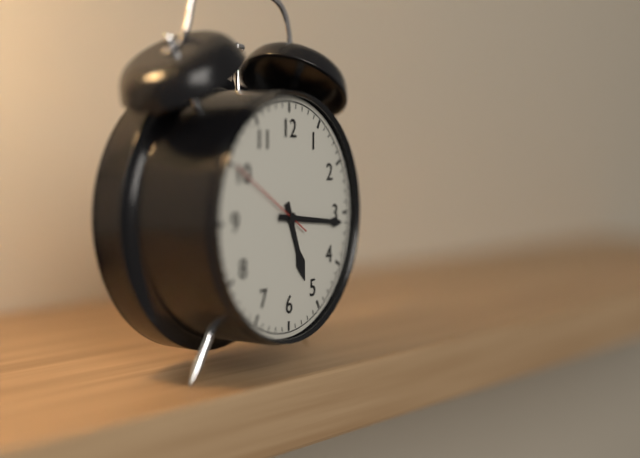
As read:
**5:16:50**
